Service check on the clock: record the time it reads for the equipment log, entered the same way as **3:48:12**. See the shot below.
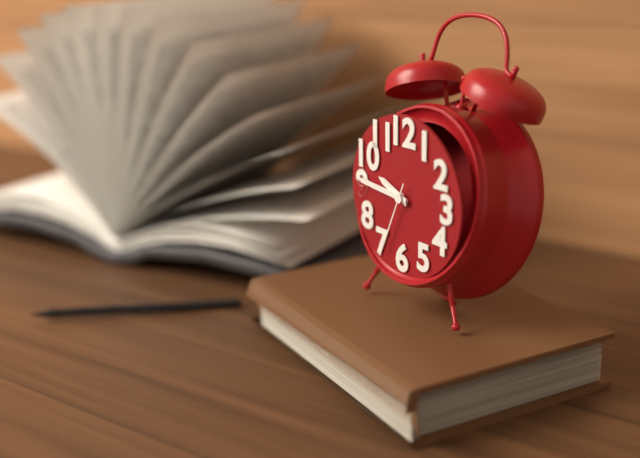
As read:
**9:46:34**
